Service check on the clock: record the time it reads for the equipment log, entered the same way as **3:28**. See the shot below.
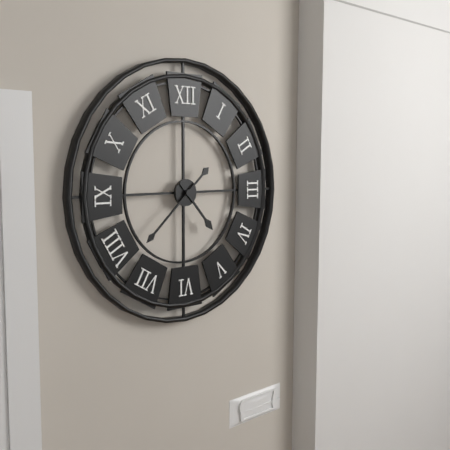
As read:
**4:38**
